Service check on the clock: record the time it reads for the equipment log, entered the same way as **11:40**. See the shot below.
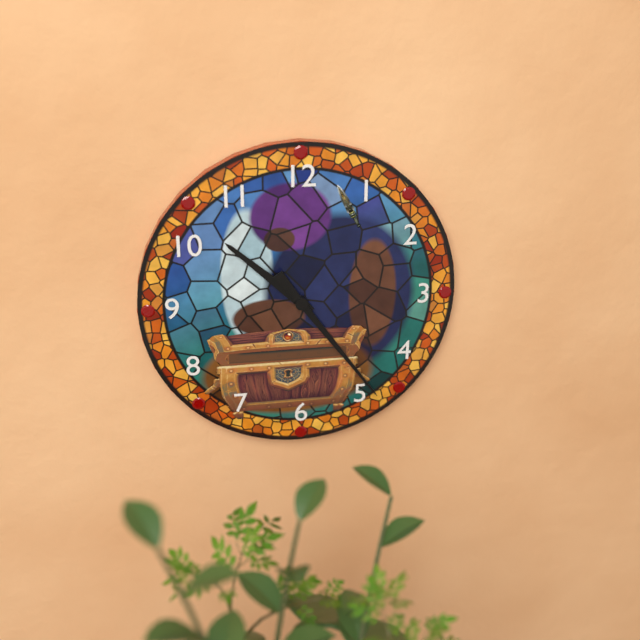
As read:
**10:24**
